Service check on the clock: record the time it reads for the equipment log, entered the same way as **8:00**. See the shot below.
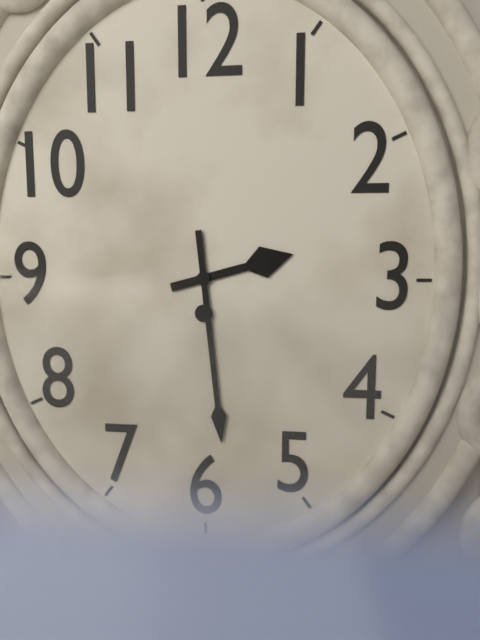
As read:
**2:29**
